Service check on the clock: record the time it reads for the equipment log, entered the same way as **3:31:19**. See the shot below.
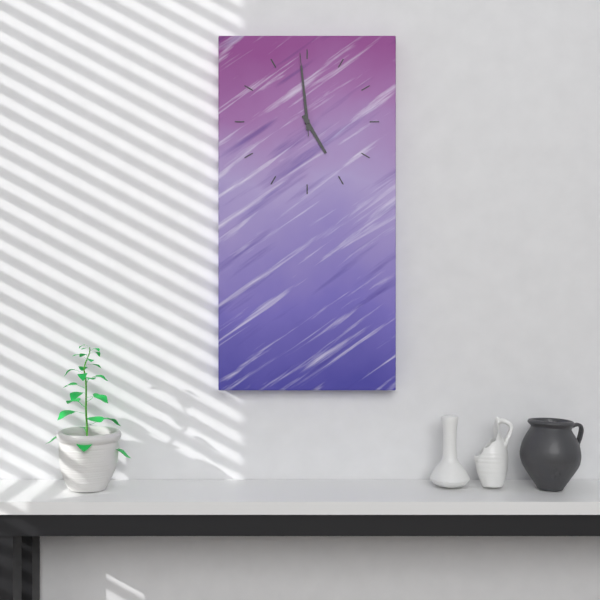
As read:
**4:59:59**
